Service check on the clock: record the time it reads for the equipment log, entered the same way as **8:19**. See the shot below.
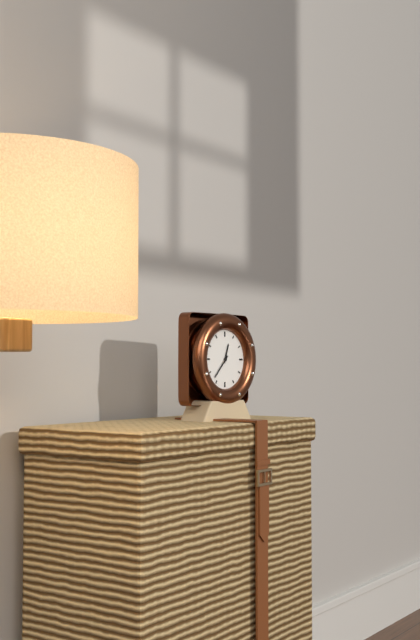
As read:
**12:37**
